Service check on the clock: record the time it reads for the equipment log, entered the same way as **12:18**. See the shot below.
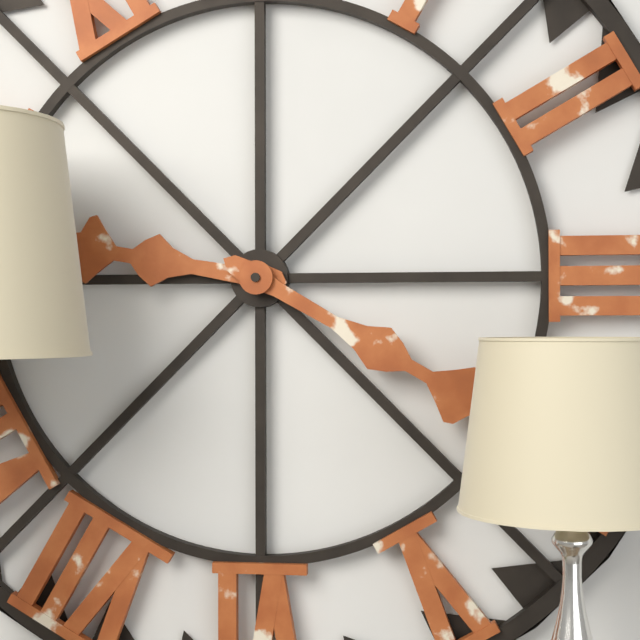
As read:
**9:20**
